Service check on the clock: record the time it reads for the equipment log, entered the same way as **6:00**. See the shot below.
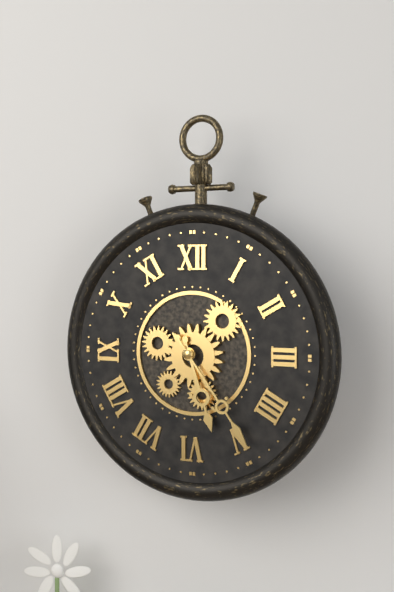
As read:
**5:24**
